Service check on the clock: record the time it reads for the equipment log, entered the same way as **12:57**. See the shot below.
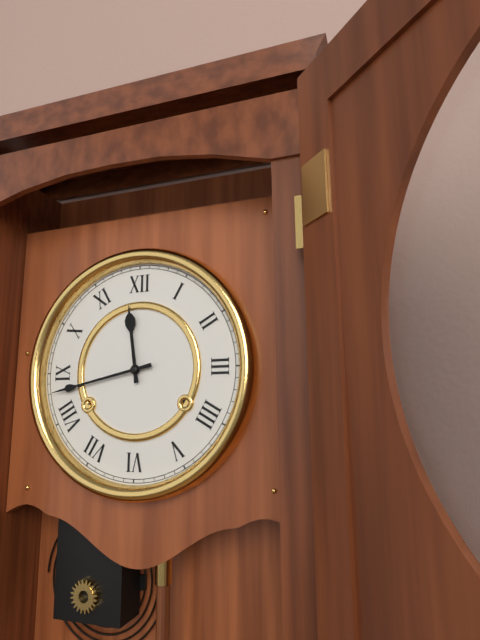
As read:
**11:43**
